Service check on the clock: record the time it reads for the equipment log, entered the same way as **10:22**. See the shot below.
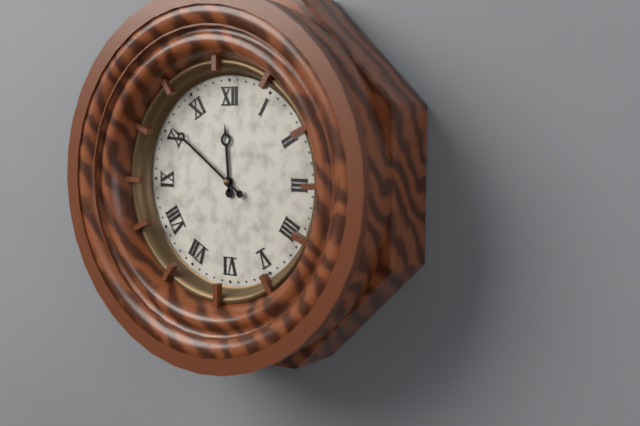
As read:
**11:51**
